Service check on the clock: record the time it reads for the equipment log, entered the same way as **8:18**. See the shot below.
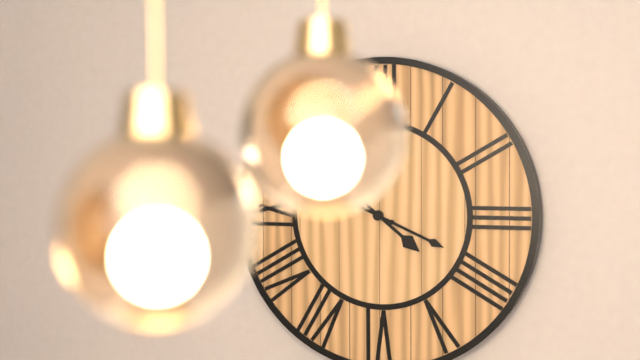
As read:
**4:19**
